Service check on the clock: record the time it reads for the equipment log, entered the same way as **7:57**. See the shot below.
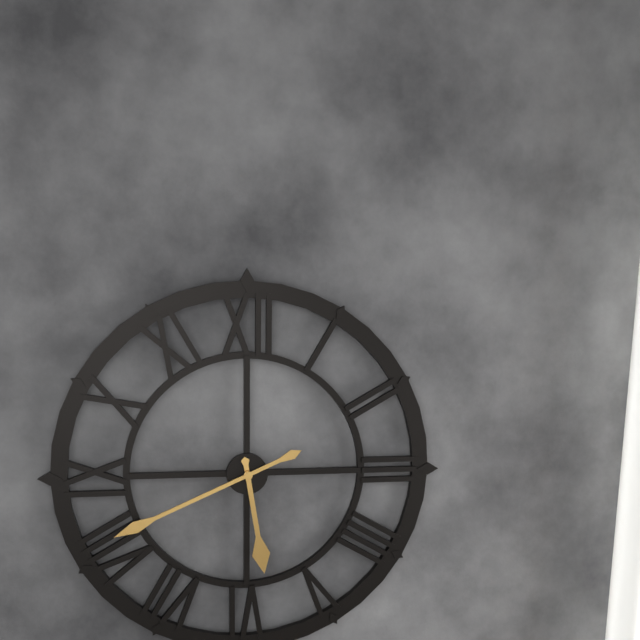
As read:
**5:41**
